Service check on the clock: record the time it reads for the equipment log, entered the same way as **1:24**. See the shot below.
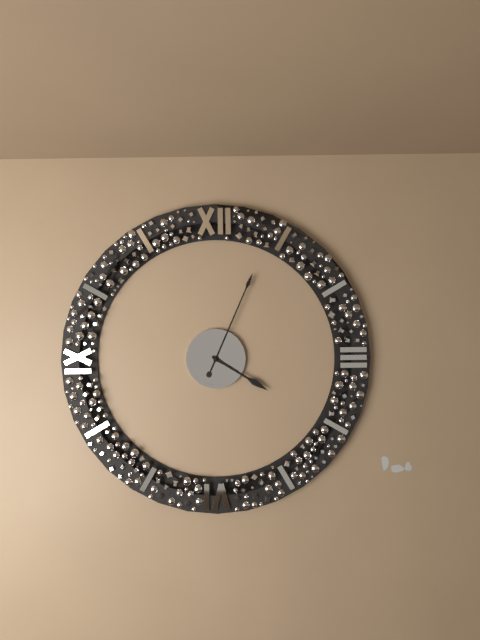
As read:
**4:04**
